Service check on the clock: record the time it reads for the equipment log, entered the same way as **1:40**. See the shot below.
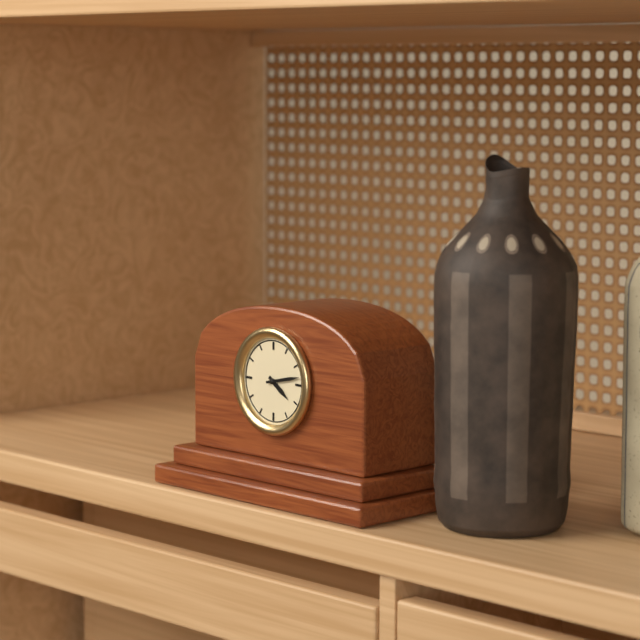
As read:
**4:13**
